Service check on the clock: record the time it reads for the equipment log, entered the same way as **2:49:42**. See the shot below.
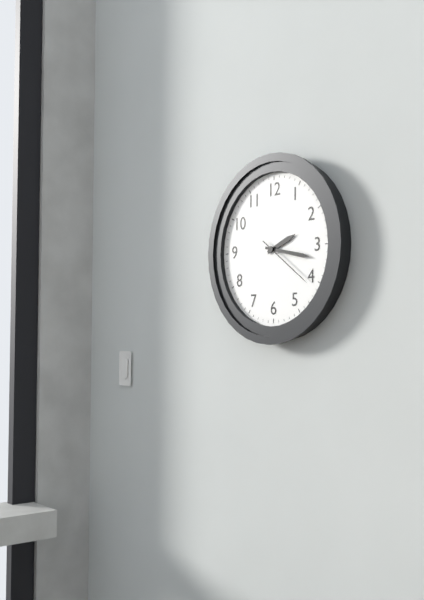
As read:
**2:17:21**
